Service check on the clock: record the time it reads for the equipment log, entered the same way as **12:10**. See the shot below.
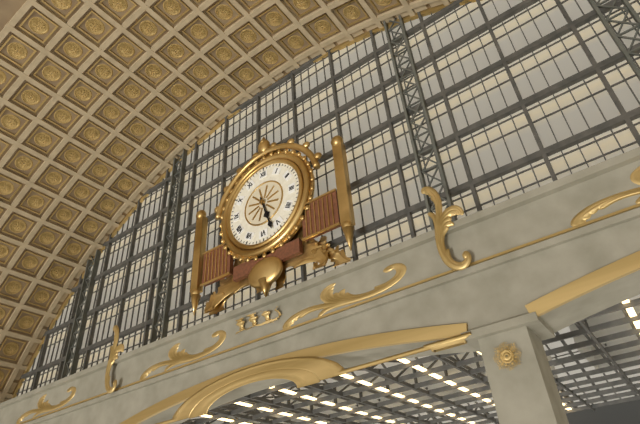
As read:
**5:27**
